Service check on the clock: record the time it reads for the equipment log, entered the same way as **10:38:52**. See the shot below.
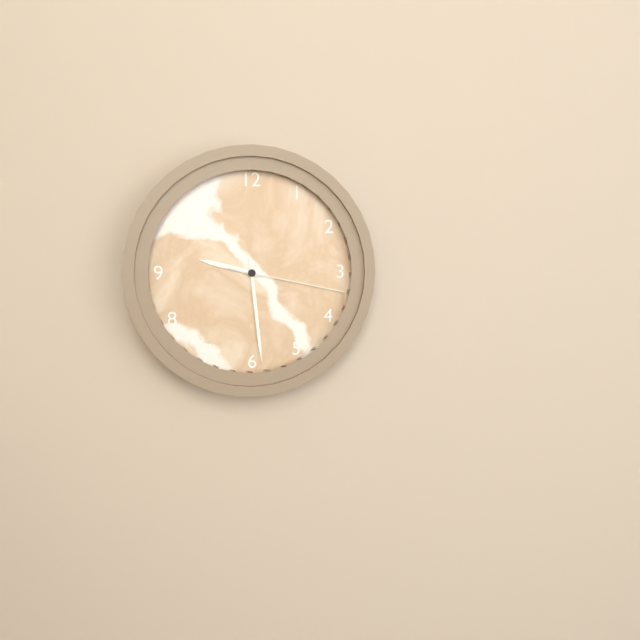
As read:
**9:29:17**
